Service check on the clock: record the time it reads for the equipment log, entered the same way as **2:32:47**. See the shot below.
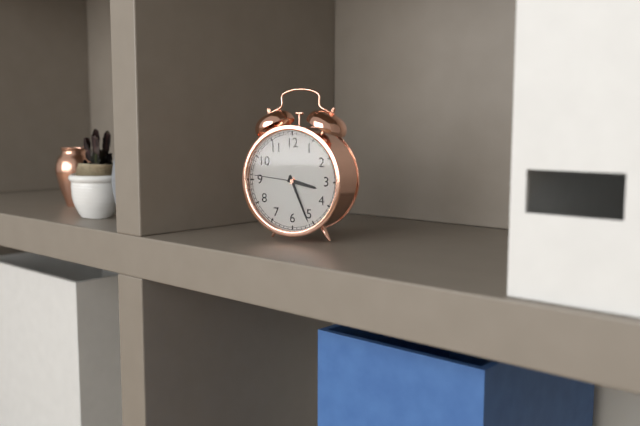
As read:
**3:26:46**
